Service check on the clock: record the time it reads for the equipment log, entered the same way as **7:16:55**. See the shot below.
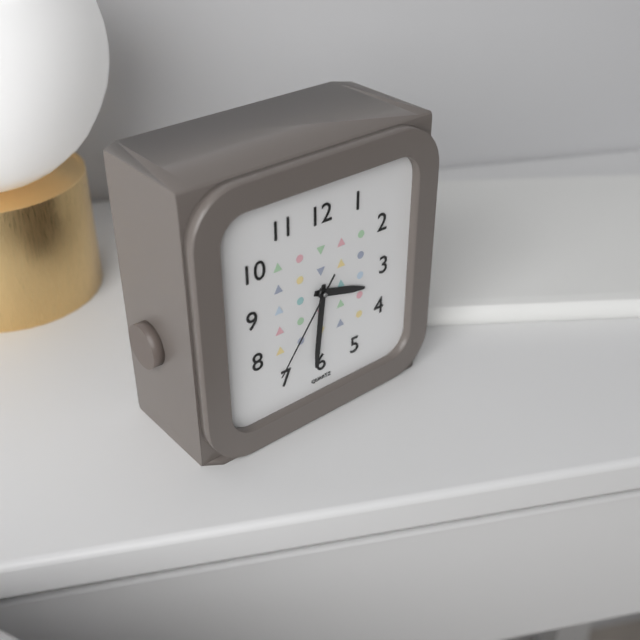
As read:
**3:31:36**
